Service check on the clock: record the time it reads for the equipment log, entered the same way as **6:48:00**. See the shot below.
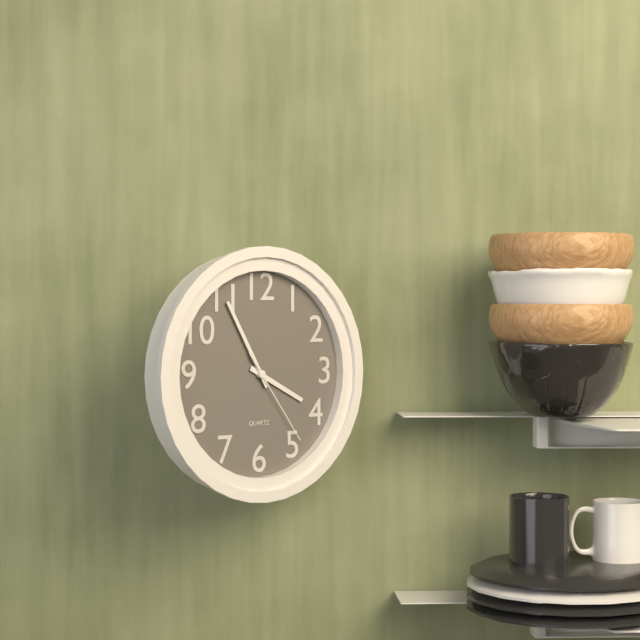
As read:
**3:55:24**
